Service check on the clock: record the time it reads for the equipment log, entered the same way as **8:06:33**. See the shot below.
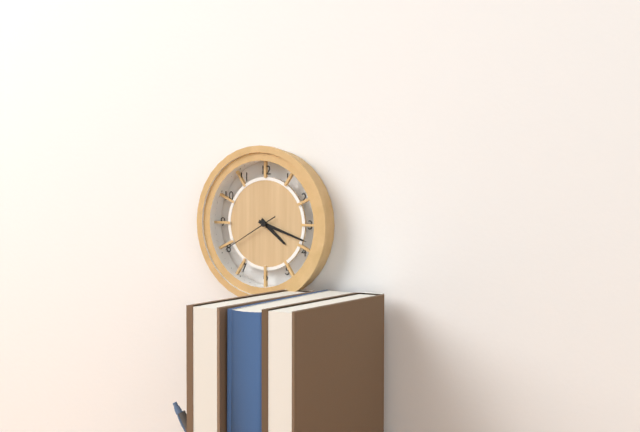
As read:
**4:18:40**
